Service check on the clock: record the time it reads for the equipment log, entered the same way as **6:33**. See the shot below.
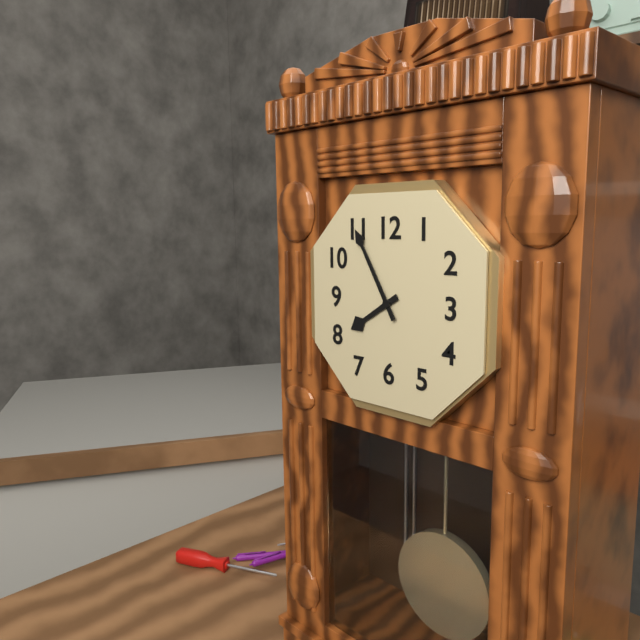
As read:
**7:55**
